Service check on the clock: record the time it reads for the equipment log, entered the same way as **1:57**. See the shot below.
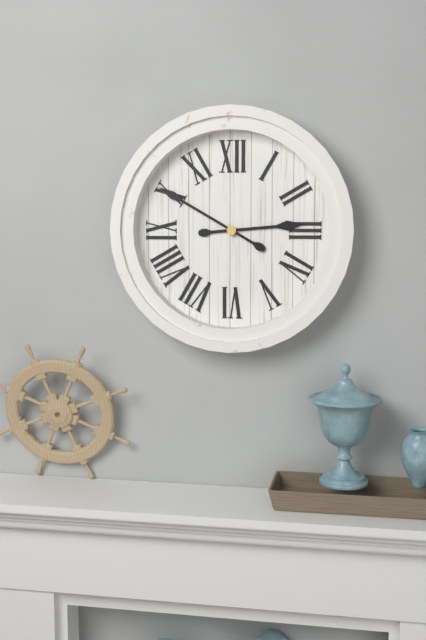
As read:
**2:50**
